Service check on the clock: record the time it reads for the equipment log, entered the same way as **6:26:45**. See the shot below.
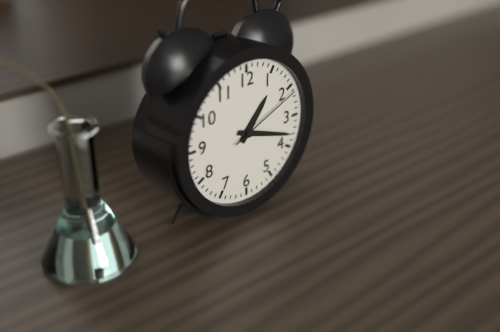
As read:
**1:18:11**
